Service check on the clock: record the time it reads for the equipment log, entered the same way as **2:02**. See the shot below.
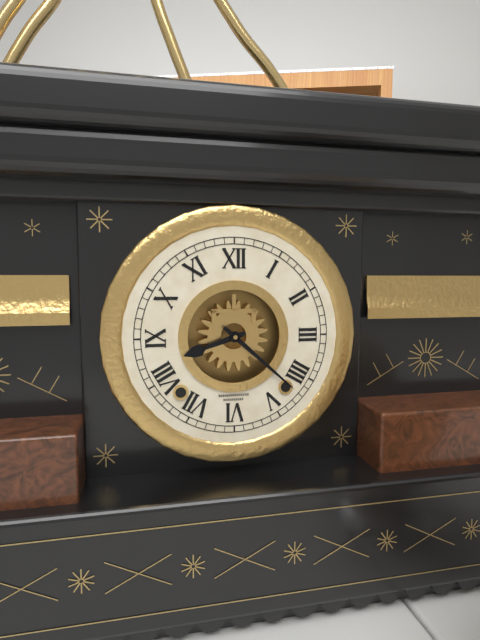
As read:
**8:22**
